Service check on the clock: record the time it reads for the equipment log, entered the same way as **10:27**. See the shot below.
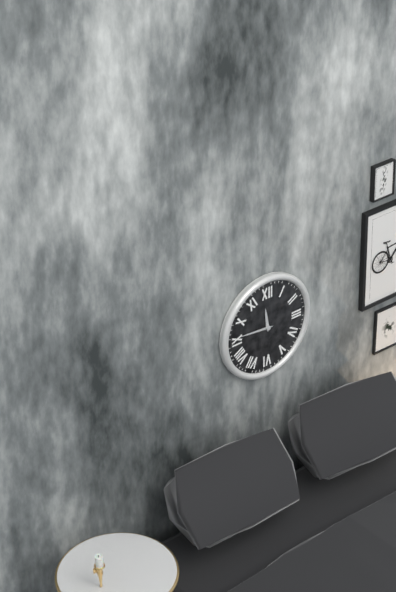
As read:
**11:46**
